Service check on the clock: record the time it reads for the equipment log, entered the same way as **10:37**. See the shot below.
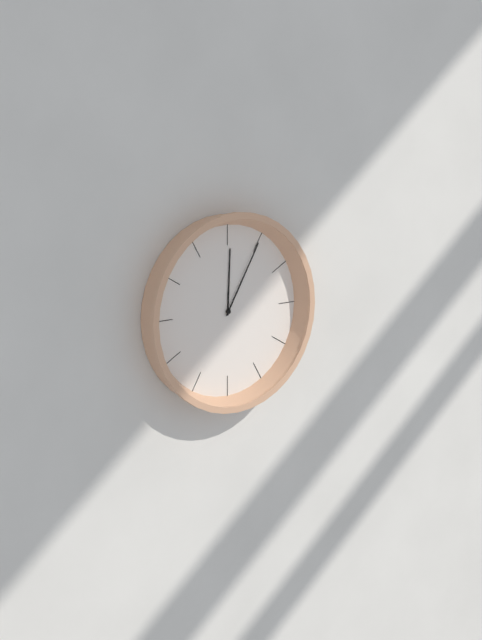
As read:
**12:05**
